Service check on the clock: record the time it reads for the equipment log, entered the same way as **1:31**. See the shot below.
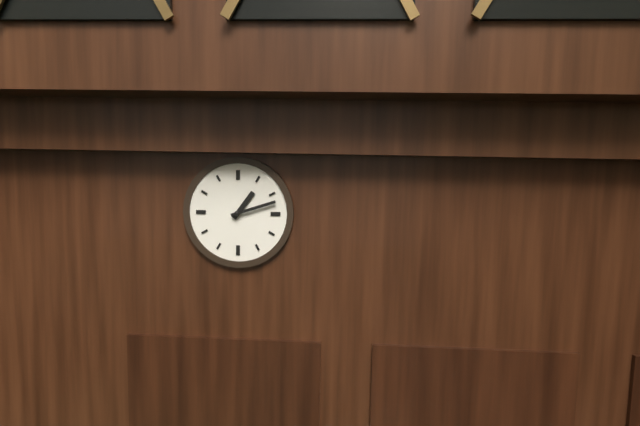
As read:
**1:12**
